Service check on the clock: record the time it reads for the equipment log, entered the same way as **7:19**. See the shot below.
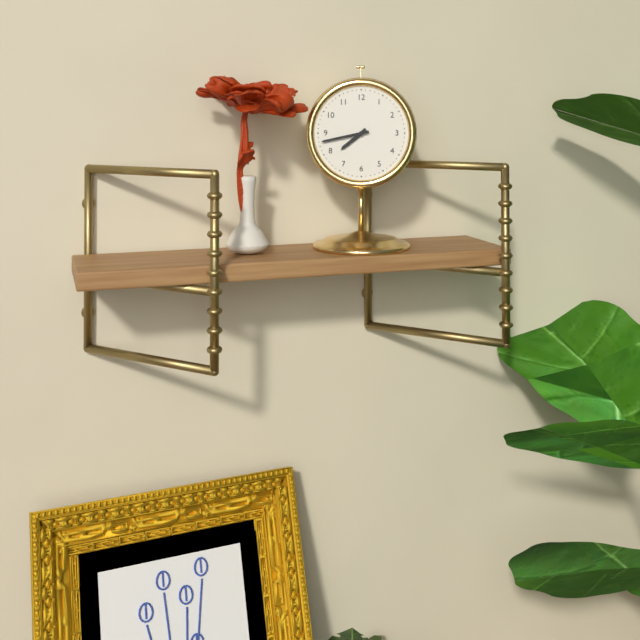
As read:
**7:43**
